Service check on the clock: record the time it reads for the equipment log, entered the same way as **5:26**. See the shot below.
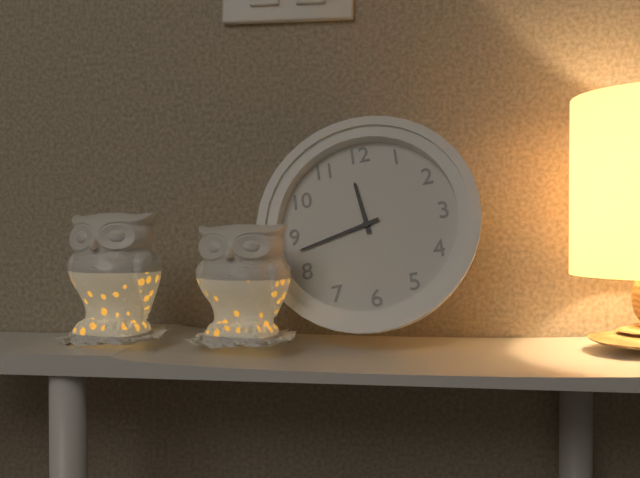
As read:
**11:43**
